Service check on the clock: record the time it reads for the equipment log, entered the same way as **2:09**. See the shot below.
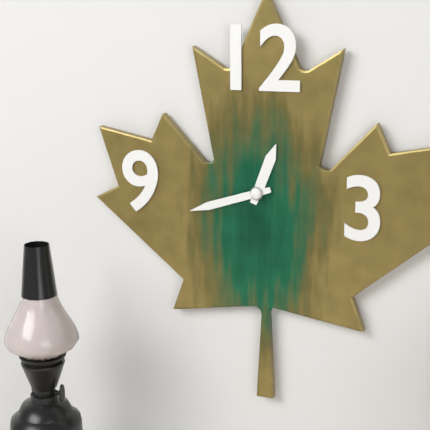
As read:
**12:42**
